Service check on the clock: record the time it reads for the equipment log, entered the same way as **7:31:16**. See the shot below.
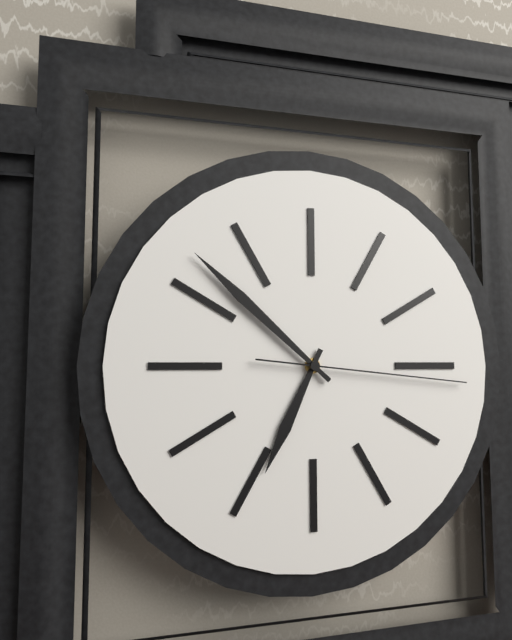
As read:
**6:52:16**
